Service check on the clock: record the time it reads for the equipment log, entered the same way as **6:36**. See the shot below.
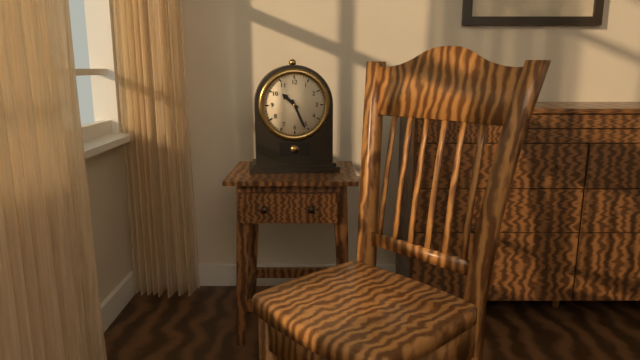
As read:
**10:26**
